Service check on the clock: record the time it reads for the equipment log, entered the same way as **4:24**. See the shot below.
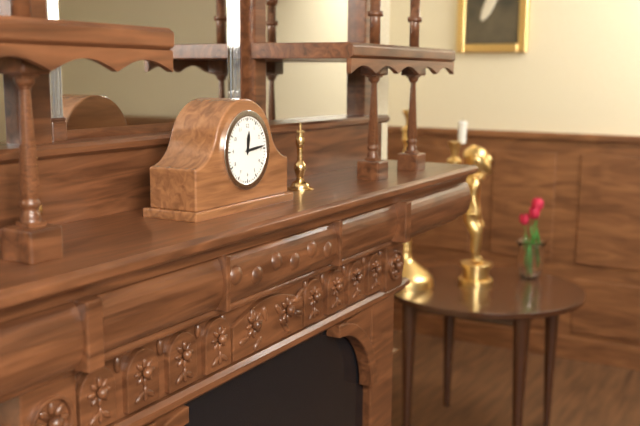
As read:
**12:14**
